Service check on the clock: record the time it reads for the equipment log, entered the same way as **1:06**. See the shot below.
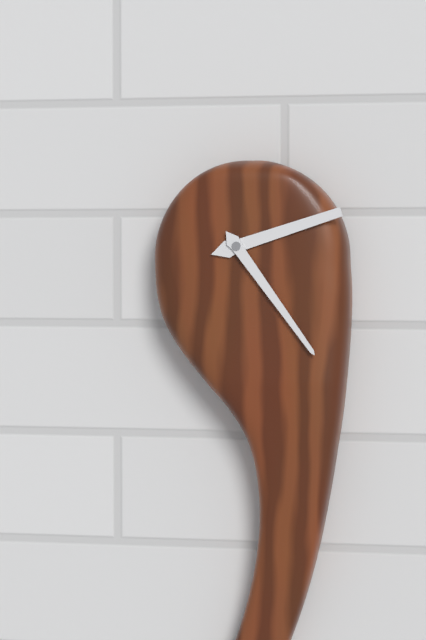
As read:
**2:24**
